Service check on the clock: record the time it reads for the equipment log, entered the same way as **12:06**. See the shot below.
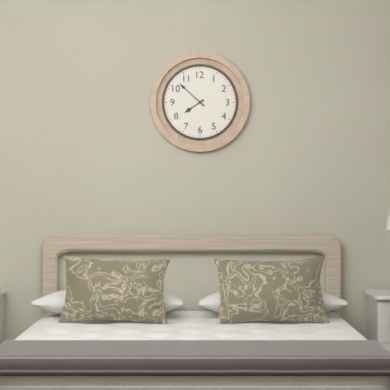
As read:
**7:52**
